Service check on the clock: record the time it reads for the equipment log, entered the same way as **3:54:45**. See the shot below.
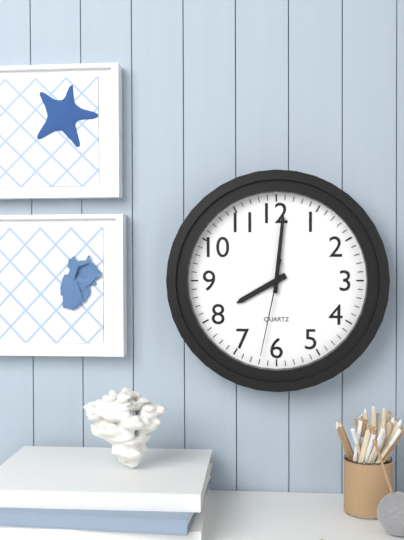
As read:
**8:01:32**
